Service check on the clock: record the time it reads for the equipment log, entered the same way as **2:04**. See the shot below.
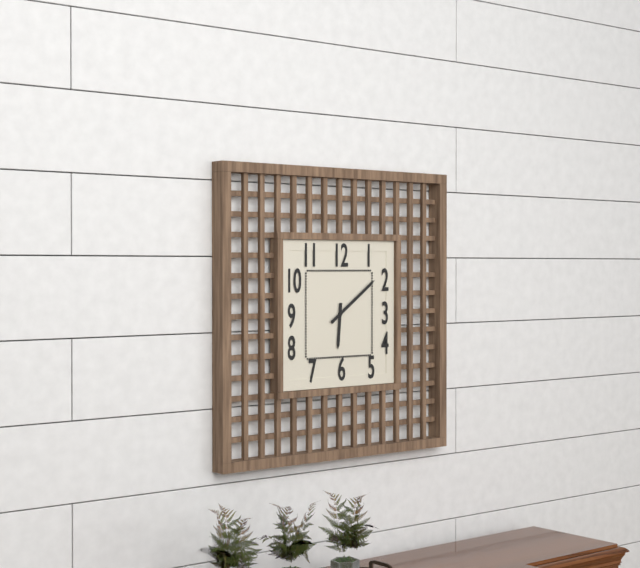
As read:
**6:09**
